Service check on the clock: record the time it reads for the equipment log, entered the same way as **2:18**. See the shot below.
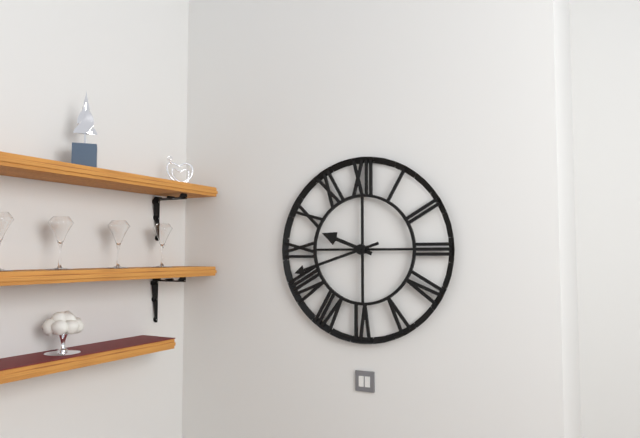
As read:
**9:42**
